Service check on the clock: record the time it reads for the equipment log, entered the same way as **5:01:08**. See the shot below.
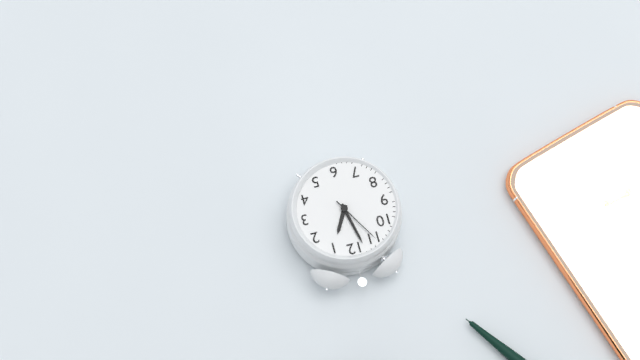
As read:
**12:58:55**
